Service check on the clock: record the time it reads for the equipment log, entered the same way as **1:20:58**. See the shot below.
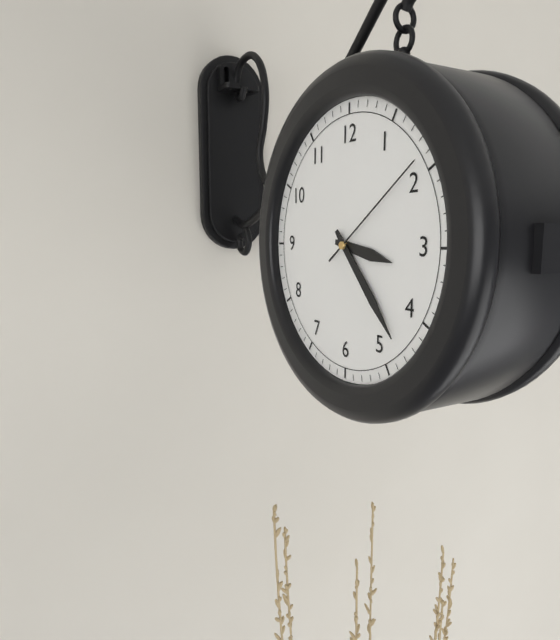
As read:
**3:23:09**
